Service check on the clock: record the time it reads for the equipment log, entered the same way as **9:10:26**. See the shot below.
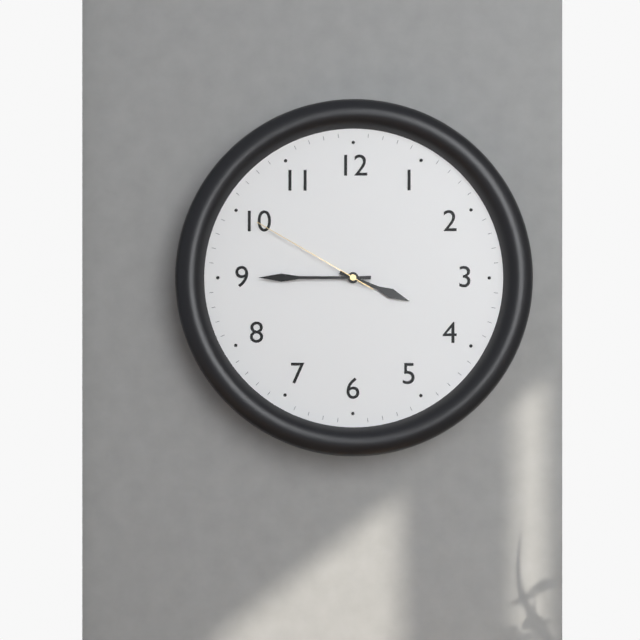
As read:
**3:45:50**
